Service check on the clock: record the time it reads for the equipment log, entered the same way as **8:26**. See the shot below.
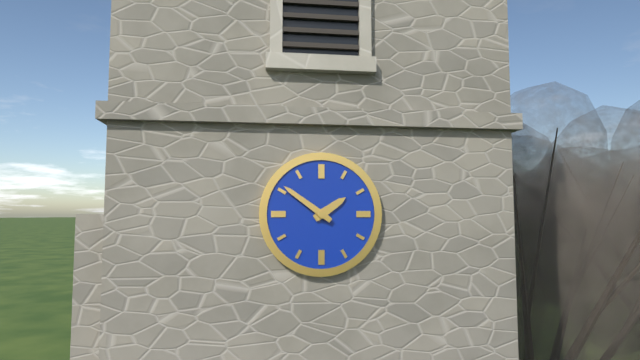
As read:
**1:51**
